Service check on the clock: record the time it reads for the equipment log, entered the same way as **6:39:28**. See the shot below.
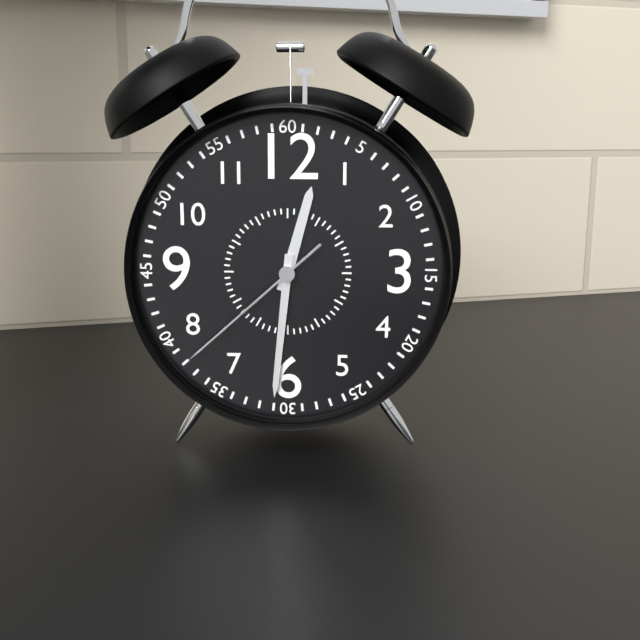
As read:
**12:31:38**
